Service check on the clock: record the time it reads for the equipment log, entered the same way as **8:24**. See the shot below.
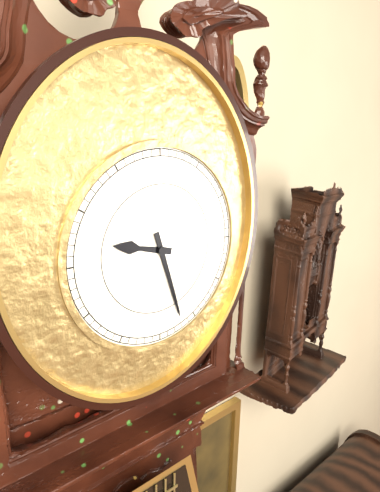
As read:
**9:27**
